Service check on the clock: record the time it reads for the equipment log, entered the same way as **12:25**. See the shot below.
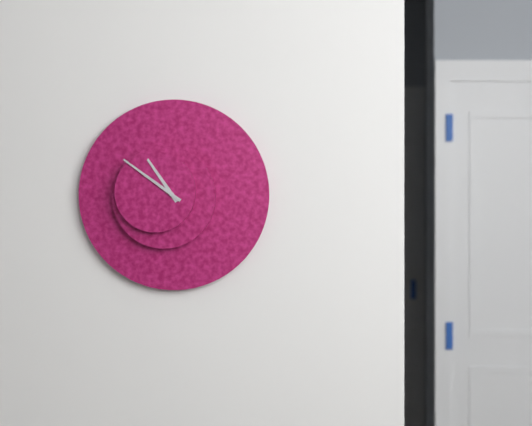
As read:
**10:51**
